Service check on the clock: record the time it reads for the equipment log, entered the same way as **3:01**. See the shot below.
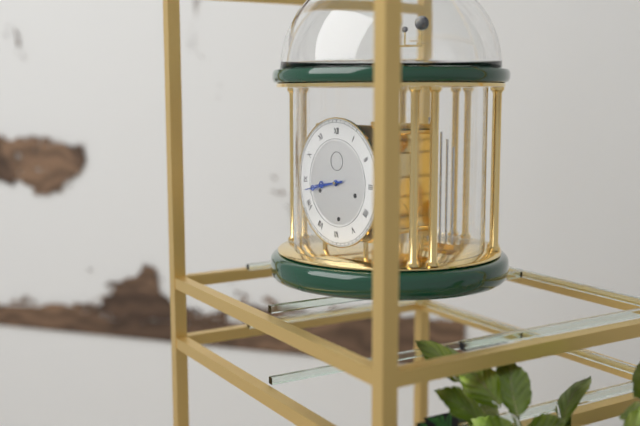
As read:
**8:43**
